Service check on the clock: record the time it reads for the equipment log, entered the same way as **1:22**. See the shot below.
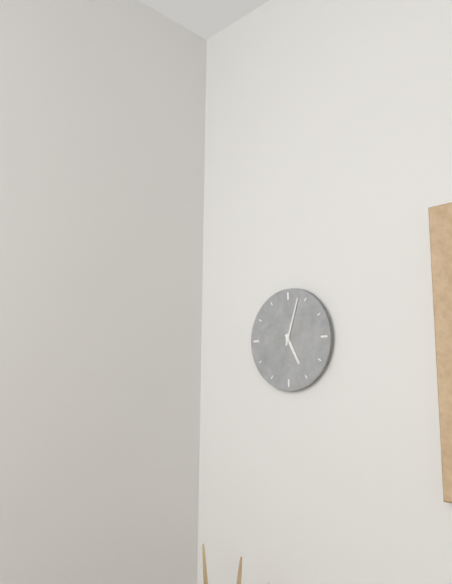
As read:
**5:03**
